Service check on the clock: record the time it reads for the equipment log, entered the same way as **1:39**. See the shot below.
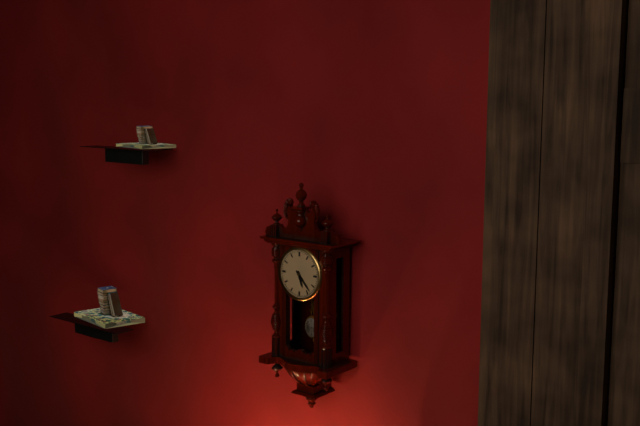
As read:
**5:23**
